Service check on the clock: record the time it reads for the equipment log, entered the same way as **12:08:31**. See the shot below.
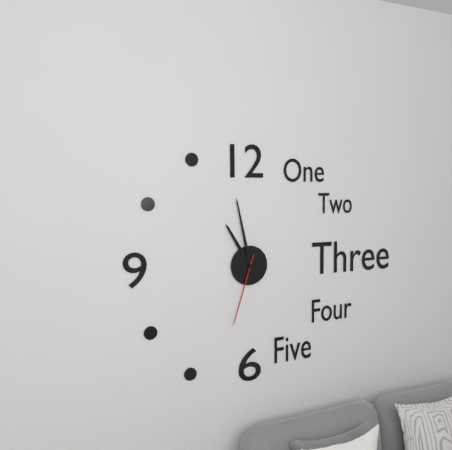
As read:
**10:58:33**
